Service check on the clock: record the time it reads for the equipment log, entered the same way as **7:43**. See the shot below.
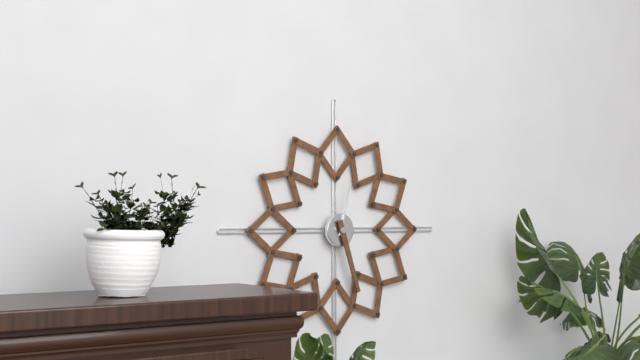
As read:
**12:27**
